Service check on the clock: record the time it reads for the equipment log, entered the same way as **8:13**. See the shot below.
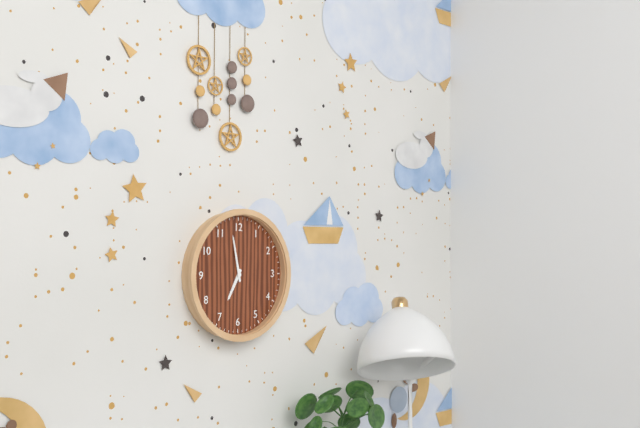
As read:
**6:58**
